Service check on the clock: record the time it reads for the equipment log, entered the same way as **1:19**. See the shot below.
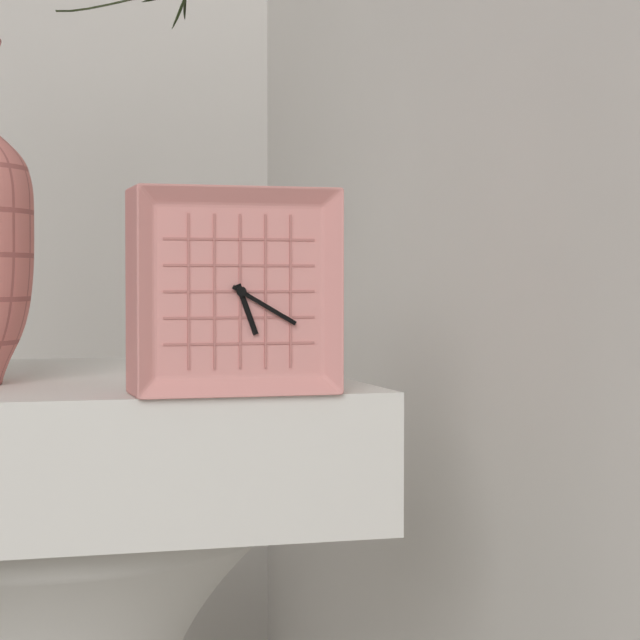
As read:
**5:20**
